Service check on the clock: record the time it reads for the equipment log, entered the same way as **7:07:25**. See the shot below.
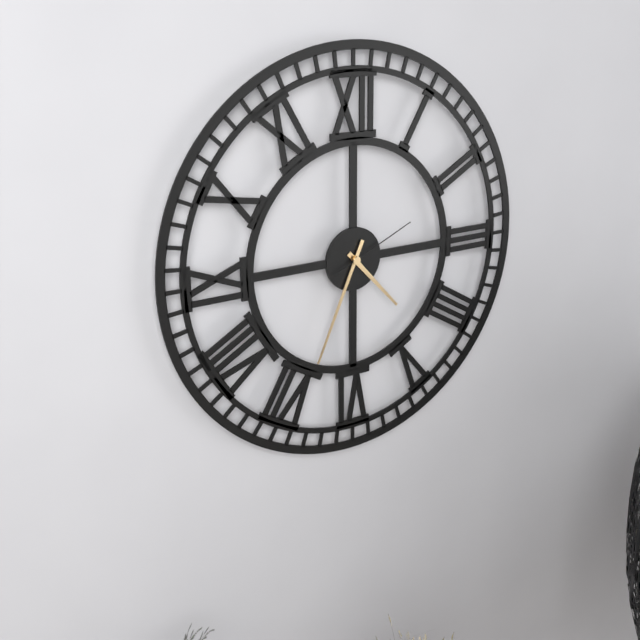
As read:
**4:34:11**
